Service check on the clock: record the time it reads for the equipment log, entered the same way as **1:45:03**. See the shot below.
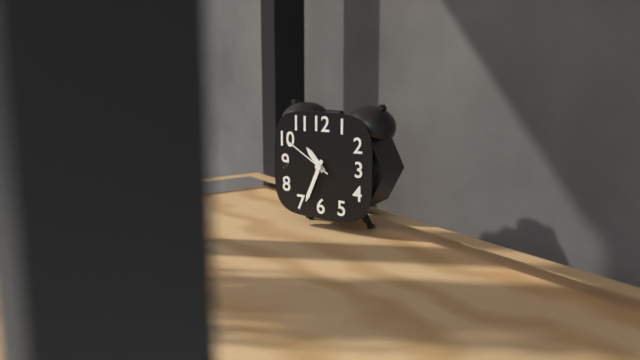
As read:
**10:34:50**
